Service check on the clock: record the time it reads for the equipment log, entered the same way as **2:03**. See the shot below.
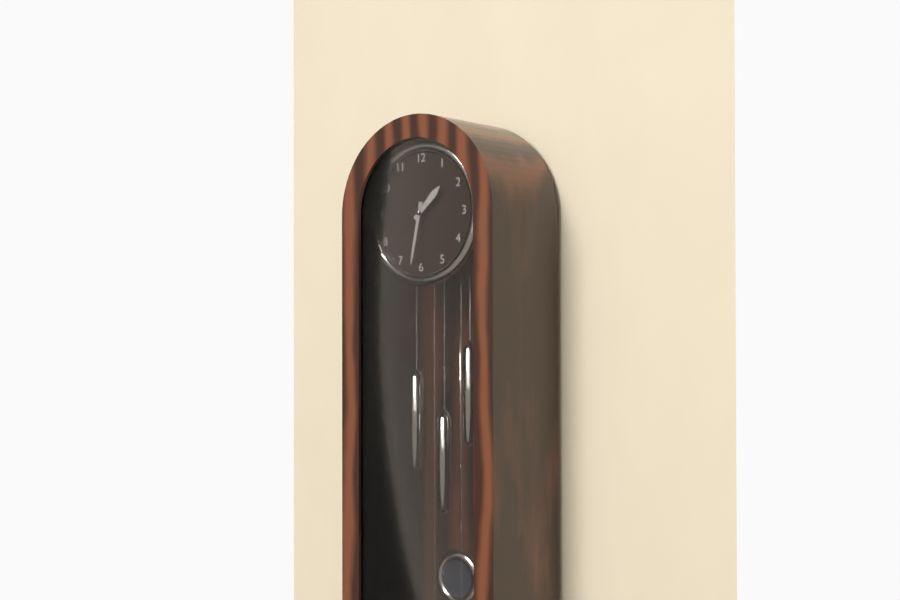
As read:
**1:32**
